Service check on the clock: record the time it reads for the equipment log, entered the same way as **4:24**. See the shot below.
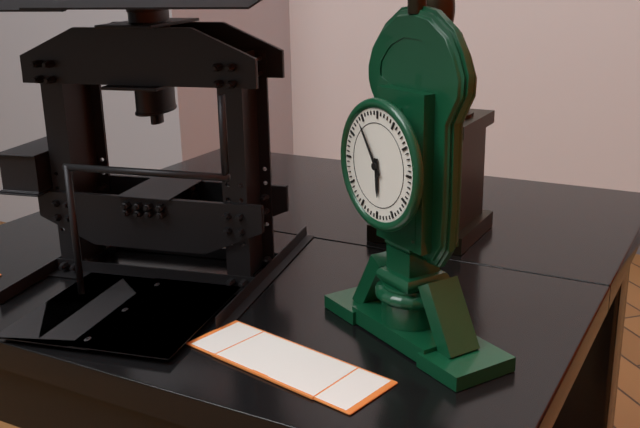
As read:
**5:54**
